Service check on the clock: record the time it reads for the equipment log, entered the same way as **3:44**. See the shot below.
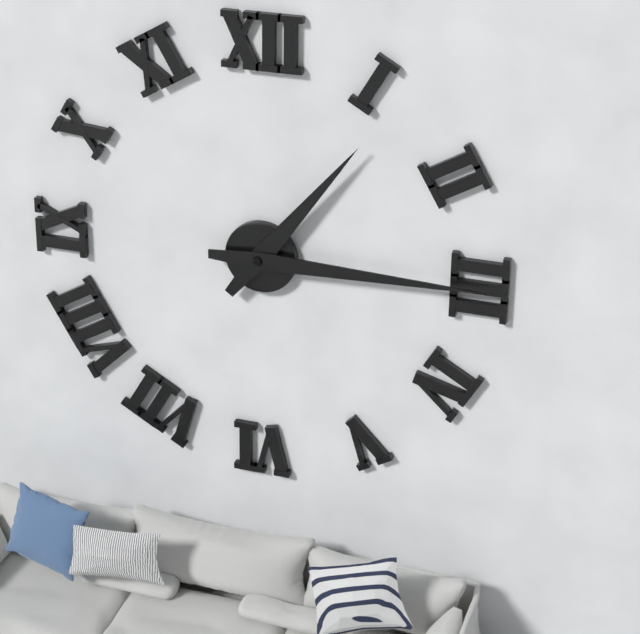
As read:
**1:15**
